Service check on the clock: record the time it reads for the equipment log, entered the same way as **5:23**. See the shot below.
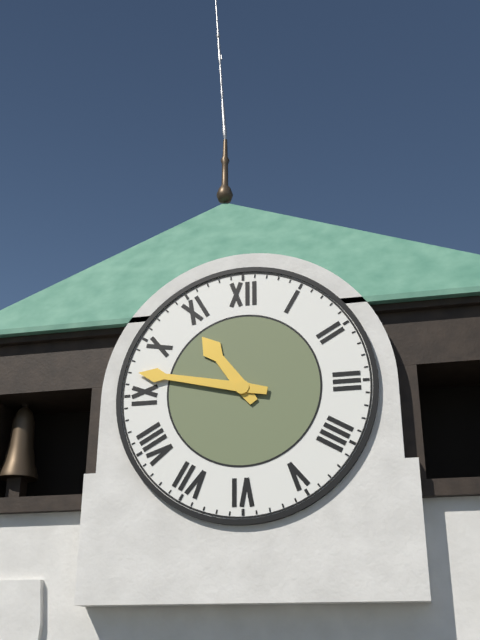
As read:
**10:47**
